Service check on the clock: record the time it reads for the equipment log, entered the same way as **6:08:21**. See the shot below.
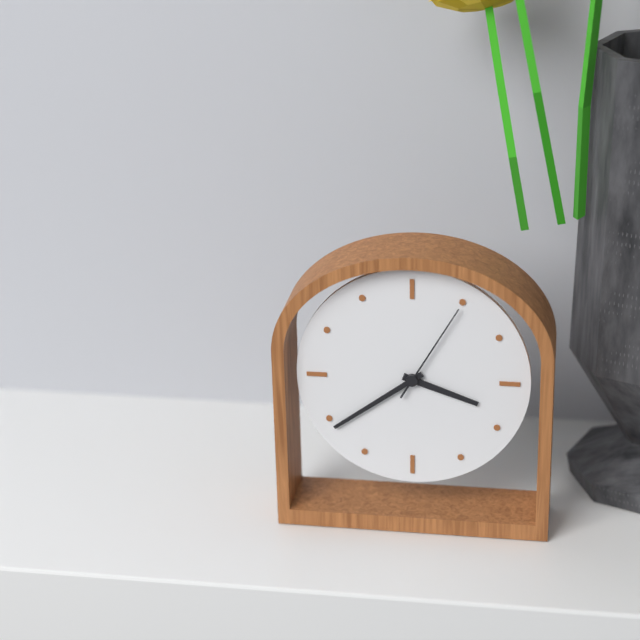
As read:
**3:39:05**
